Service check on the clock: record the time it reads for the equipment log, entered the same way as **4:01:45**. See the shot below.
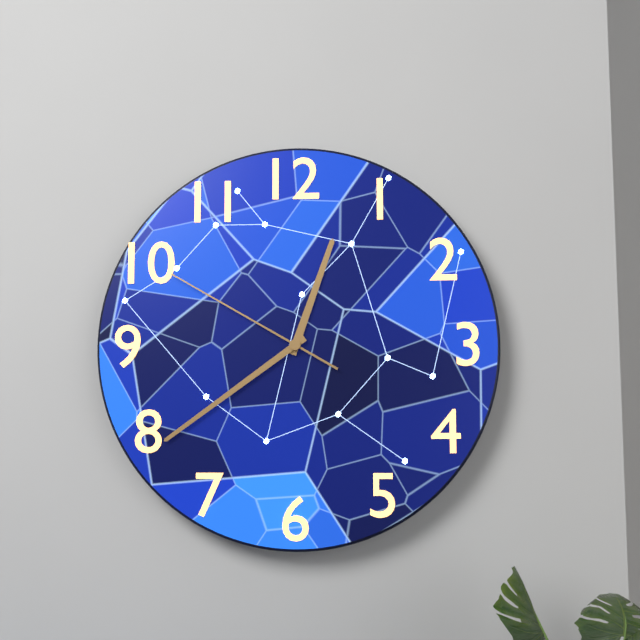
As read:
**12:39:50**
